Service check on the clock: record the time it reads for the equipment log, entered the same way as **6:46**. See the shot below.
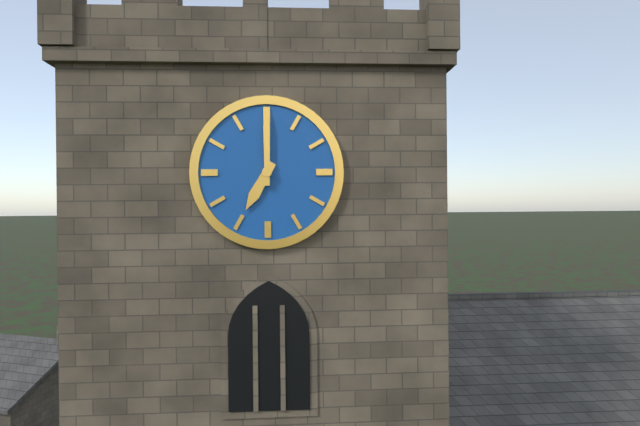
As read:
**7:00**
